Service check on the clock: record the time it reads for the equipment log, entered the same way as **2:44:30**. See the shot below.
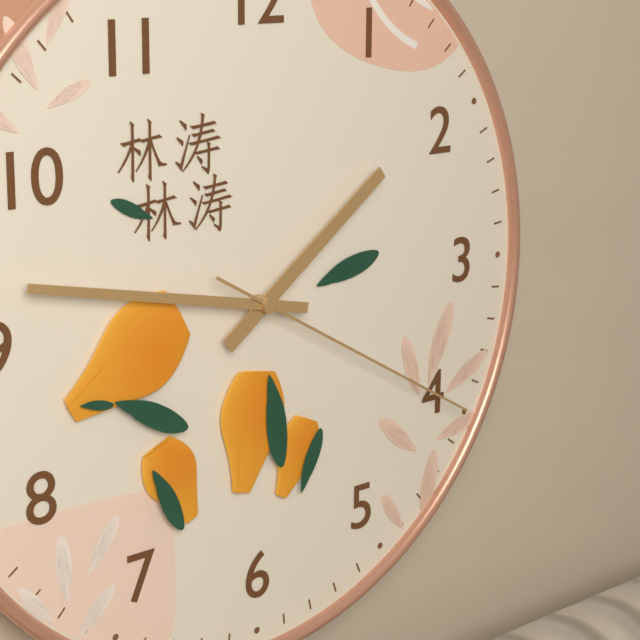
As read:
**1:47:20**
